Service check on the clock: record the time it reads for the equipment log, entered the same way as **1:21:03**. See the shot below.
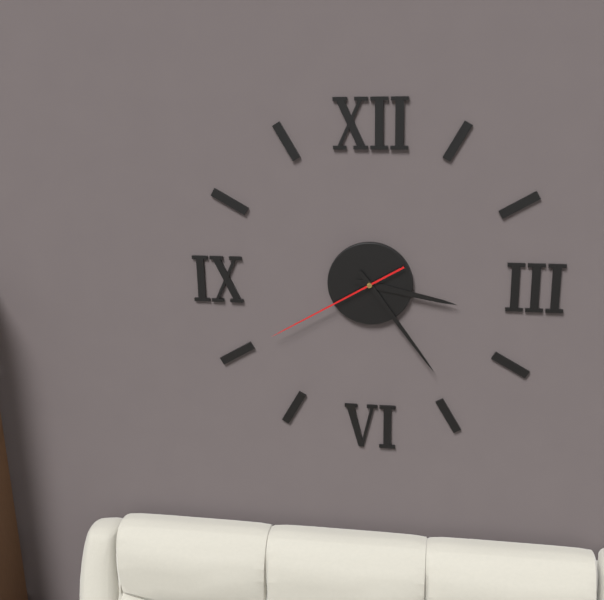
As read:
**3:24:40**
